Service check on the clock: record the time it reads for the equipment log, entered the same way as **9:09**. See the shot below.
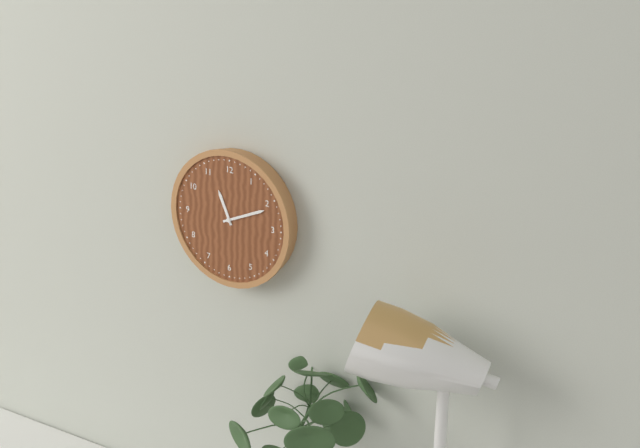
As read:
**11:11**
